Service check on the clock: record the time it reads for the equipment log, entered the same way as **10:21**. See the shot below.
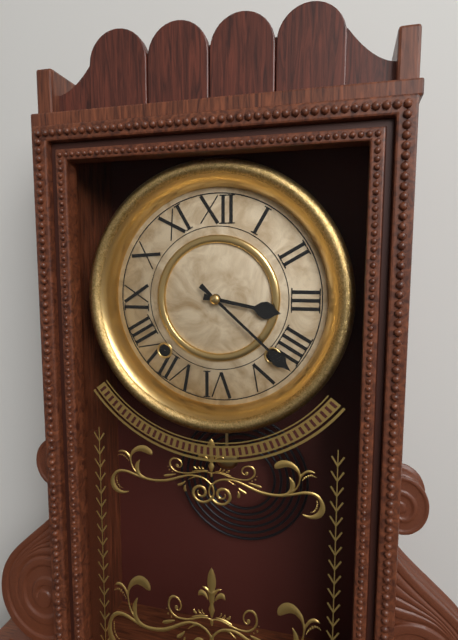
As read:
**3:22**
